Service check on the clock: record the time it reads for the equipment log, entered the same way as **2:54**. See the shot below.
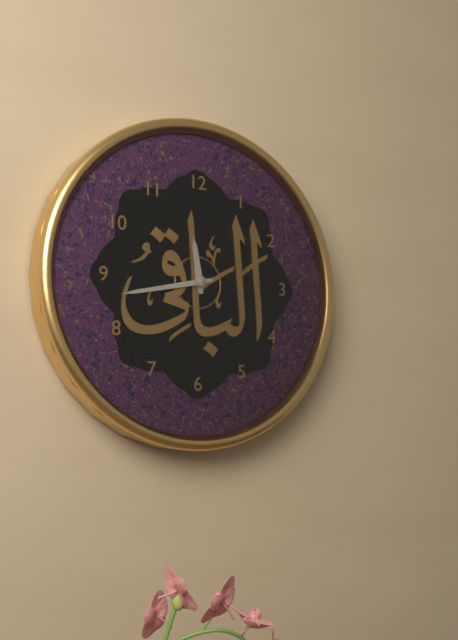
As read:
**11:43**
